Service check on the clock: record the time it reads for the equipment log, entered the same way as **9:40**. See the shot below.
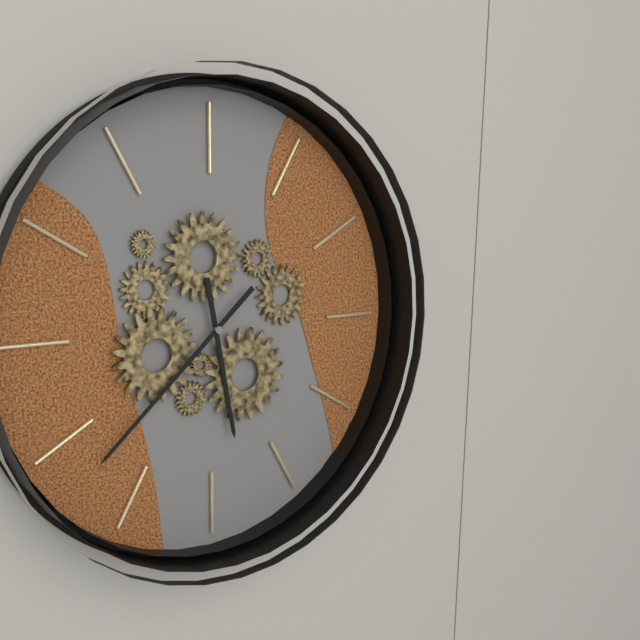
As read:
**5:38**
